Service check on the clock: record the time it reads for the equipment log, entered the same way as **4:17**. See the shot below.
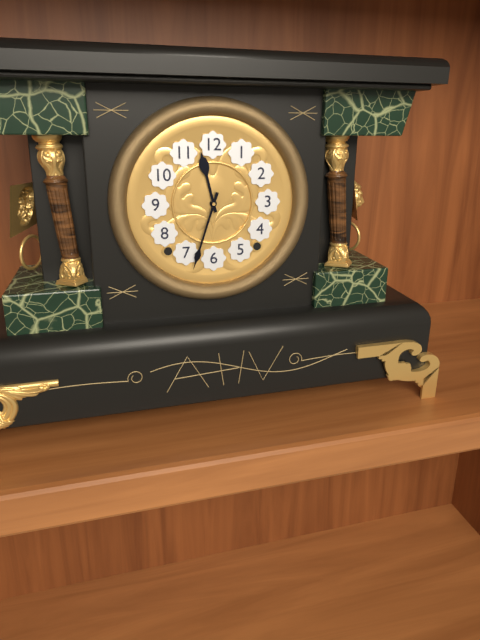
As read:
**11:33**
